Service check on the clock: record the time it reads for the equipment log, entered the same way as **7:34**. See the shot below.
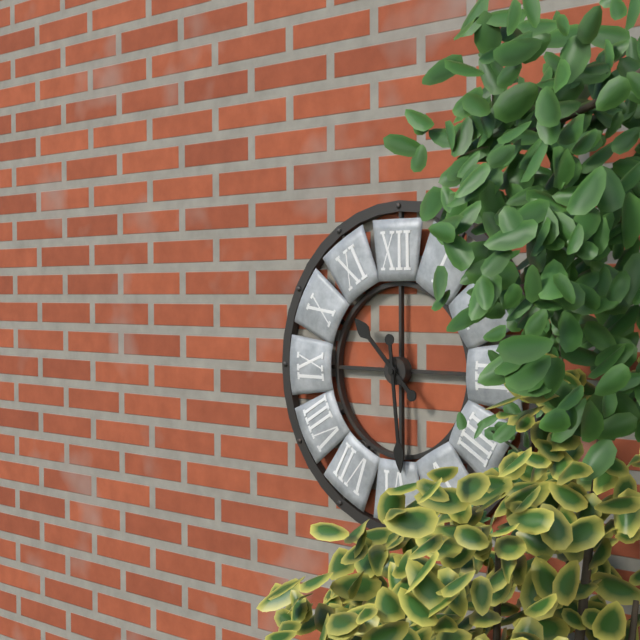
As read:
**10:29**
